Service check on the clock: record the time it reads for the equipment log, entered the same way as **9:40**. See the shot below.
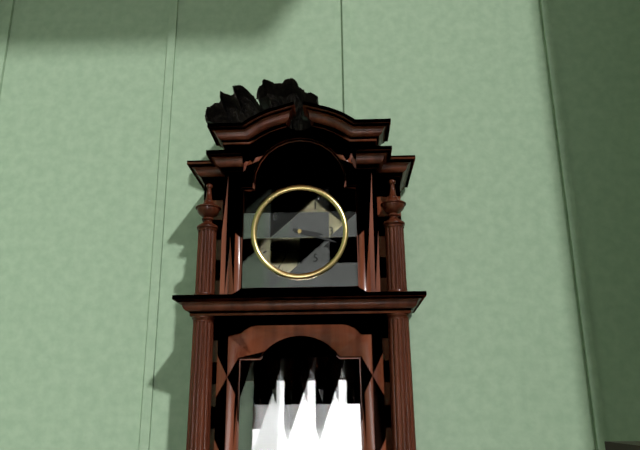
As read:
**3:18**
